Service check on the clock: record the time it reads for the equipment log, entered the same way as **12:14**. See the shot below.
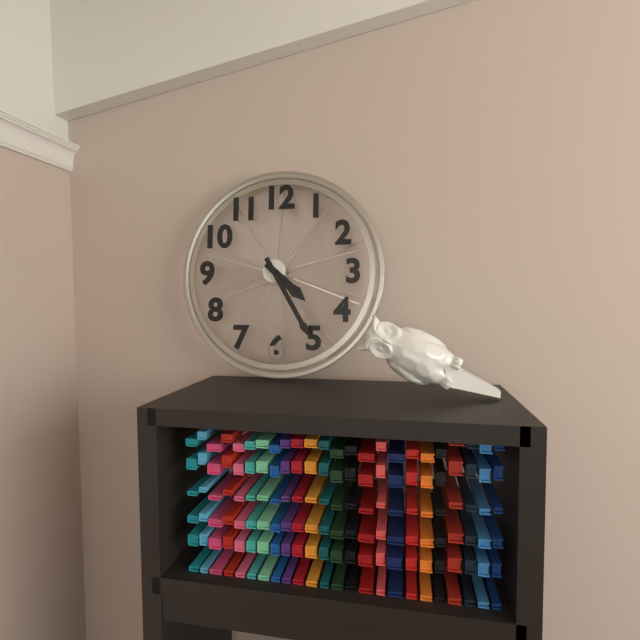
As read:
**4:25**
